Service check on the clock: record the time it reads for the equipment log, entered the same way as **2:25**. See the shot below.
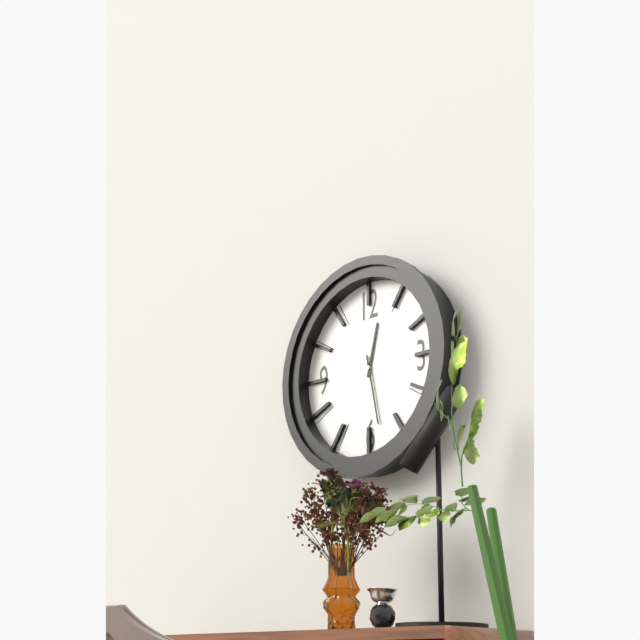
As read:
**12:28**
